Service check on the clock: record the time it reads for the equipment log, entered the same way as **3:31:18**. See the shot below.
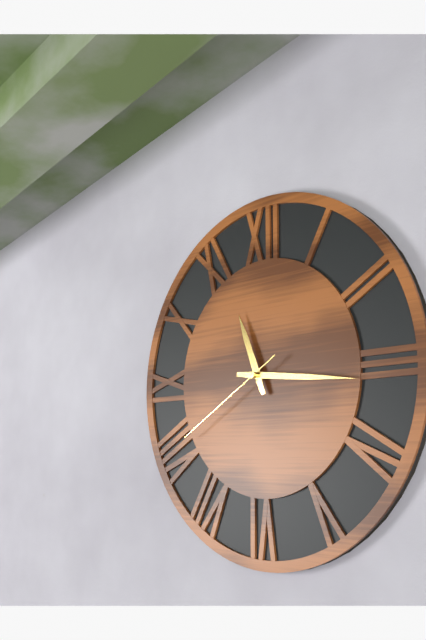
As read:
**11:16:40**
